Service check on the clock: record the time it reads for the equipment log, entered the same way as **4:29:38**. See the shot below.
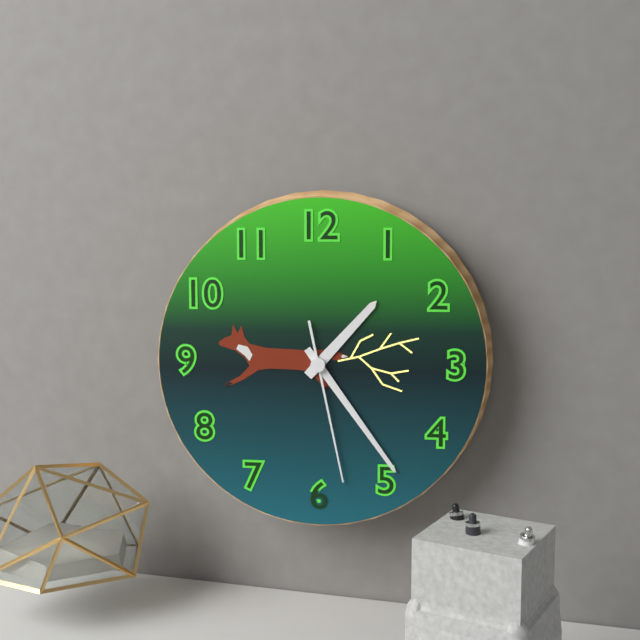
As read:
**1:24:28**
